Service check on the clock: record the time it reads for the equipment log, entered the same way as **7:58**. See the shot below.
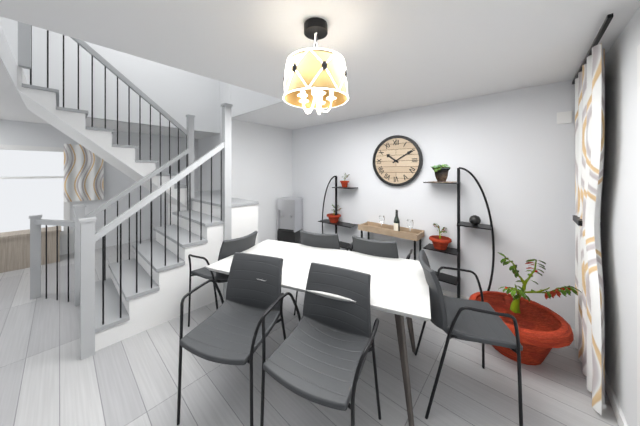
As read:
**10:10**
